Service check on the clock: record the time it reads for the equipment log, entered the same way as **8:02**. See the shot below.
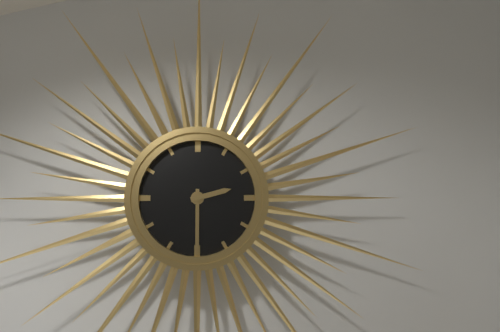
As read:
**2:30**
